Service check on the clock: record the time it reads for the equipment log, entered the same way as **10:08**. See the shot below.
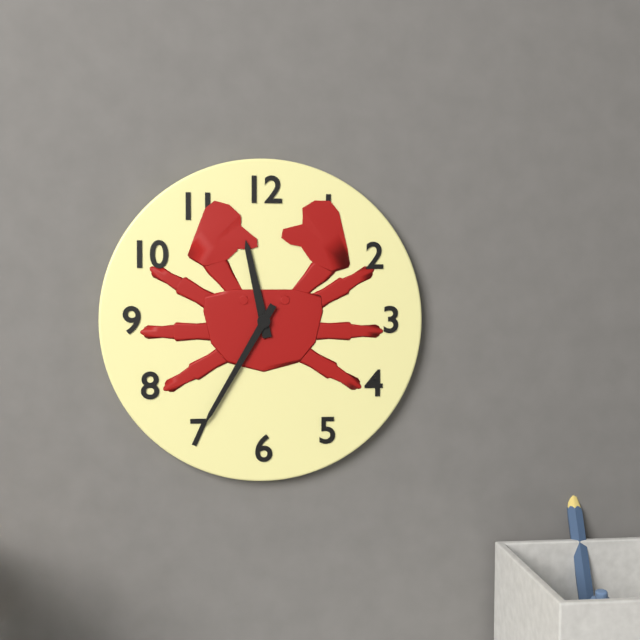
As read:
**11:35**
